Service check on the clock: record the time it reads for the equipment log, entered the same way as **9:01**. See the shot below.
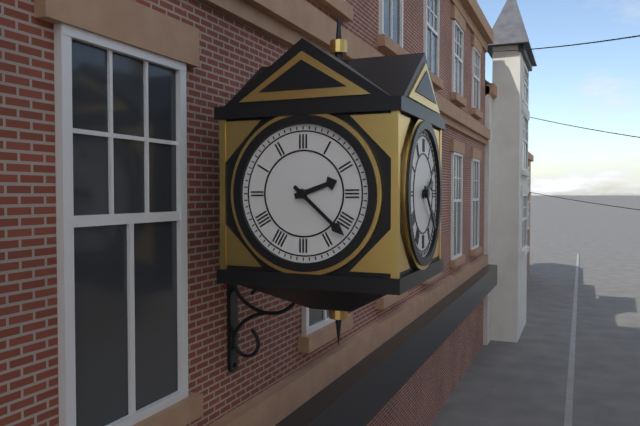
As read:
**2:22**
